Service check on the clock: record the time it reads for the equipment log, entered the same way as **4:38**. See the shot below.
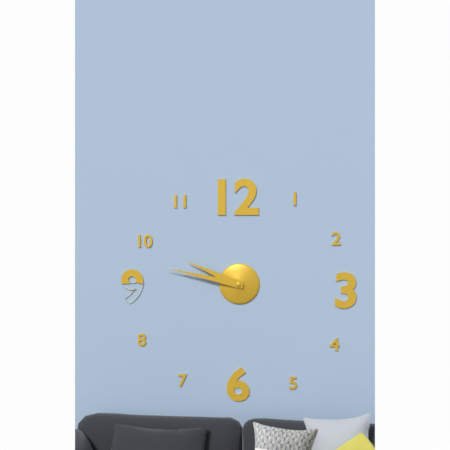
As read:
**9:47**
